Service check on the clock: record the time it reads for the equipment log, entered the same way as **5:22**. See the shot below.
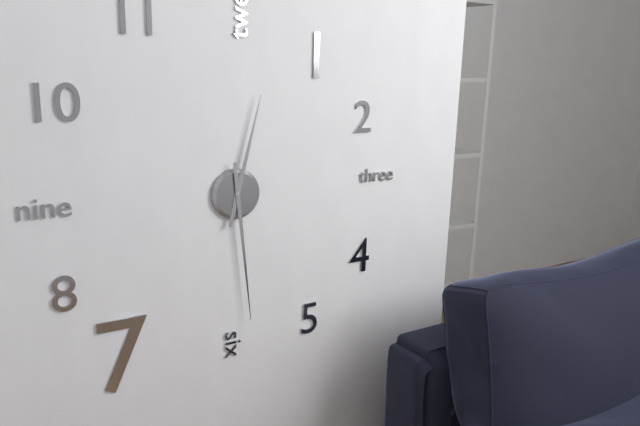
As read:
**12:29**
